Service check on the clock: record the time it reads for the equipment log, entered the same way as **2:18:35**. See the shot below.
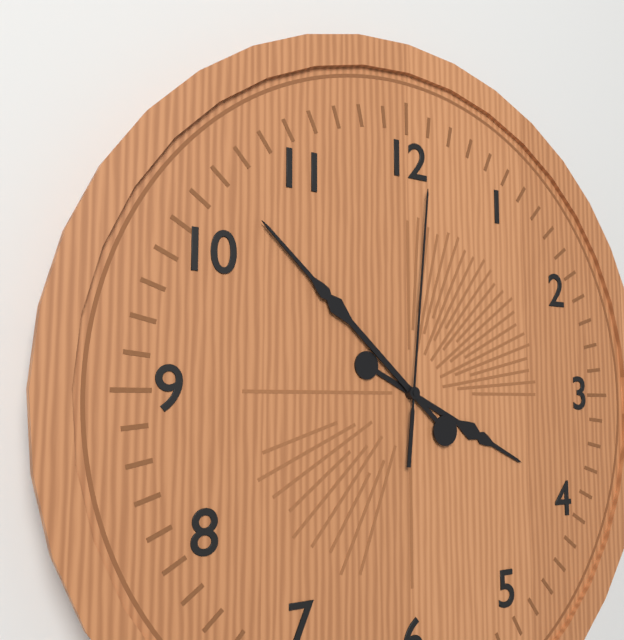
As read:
**3:52:01**
